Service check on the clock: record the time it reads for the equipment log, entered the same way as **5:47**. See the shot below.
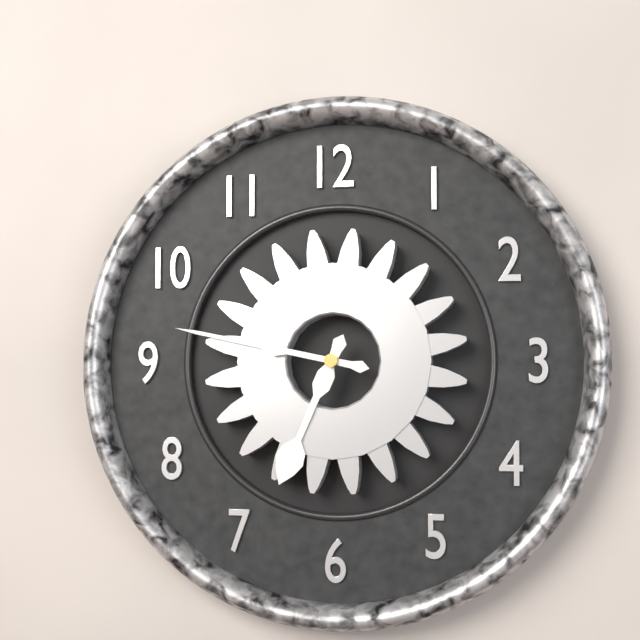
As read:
**6:47**
